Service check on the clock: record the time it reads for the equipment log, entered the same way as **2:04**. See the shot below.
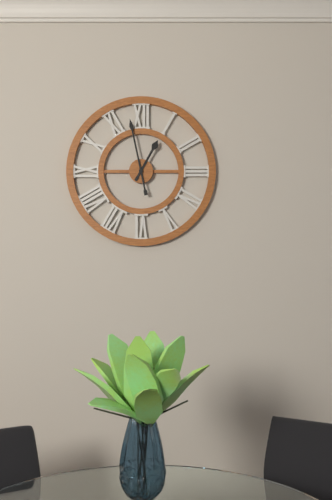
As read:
**12:58**
